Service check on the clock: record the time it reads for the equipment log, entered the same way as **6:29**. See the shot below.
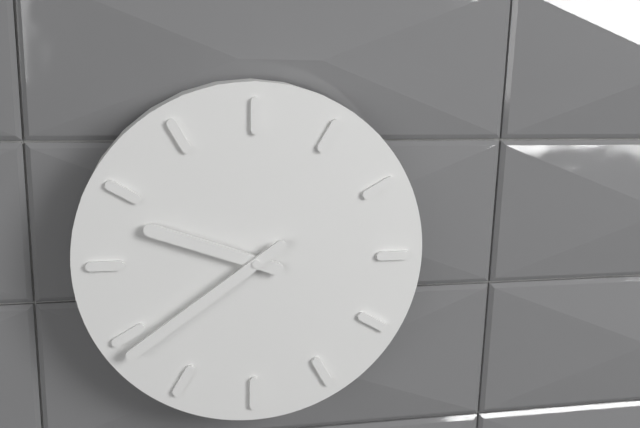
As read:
**9:39**
